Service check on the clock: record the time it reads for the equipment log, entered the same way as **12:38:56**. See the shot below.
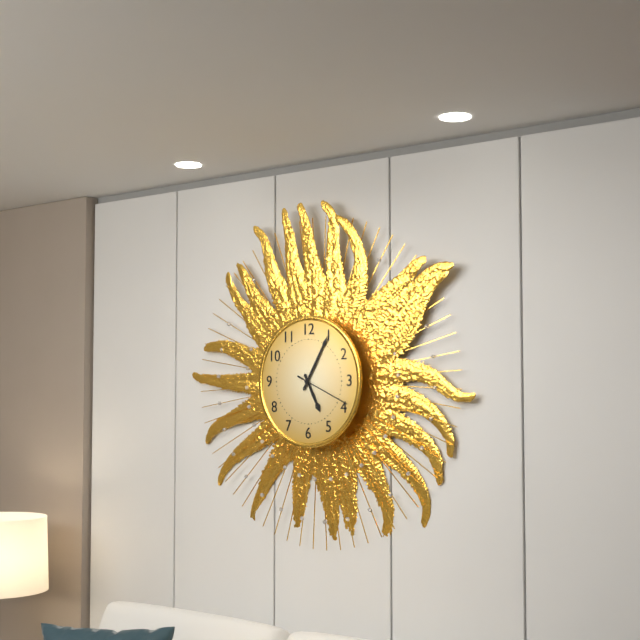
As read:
**5:05:19**
